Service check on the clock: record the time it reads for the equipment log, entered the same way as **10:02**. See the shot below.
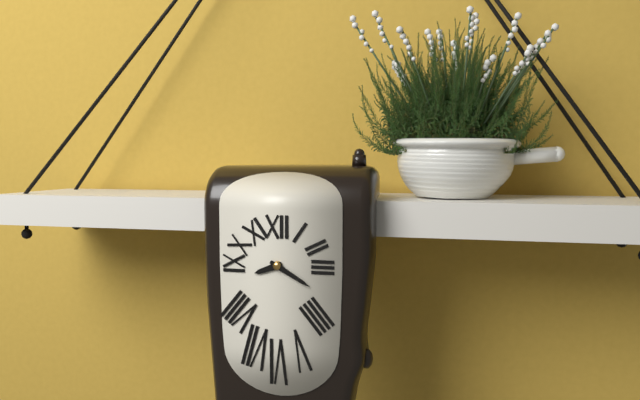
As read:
**8:20**
